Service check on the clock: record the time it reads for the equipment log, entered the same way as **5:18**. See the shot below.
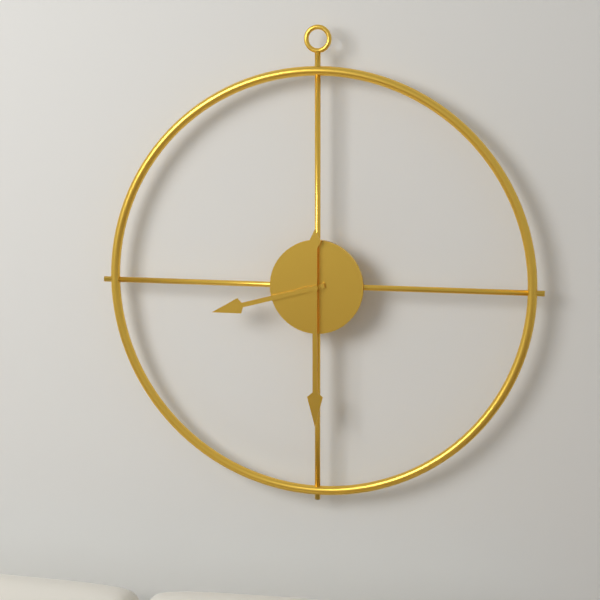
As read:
**8:30**
